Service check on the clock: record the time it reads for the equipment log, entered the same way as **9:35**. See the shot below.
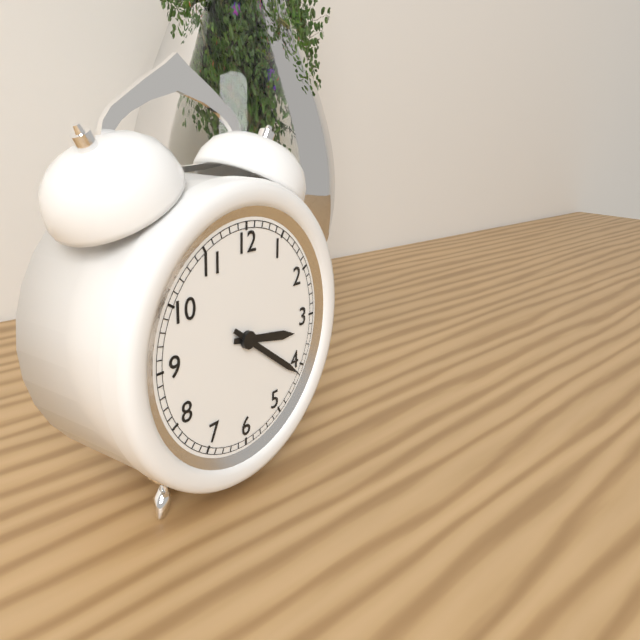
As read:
**3:21**
